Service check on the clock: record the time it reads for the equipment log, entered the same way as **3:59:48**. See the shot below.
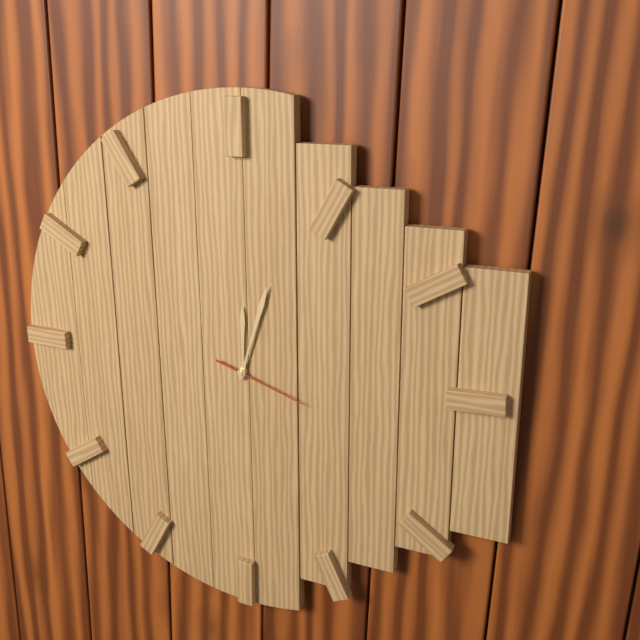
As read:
**12:03:18**
